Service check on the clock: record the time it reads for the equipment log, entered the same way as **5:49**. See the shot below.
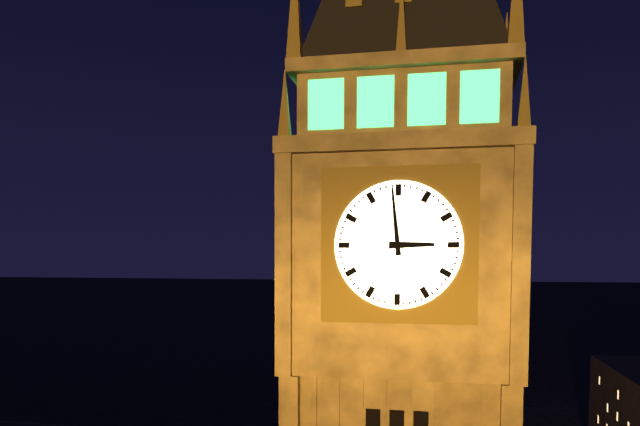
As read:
**2:59**
